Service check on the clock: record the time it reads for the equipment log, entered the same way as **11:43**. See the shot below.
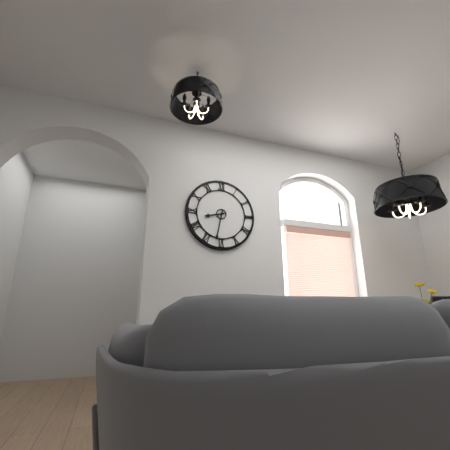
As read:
**8:32**
